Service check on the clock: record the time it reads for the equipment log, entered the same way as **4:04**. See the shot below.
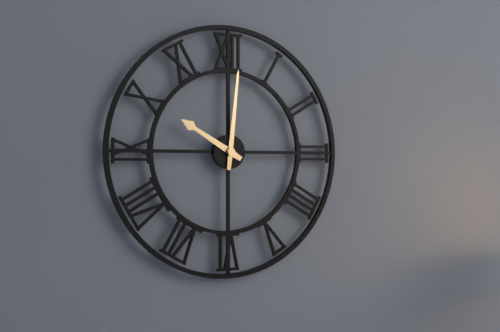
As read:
**10:01**
